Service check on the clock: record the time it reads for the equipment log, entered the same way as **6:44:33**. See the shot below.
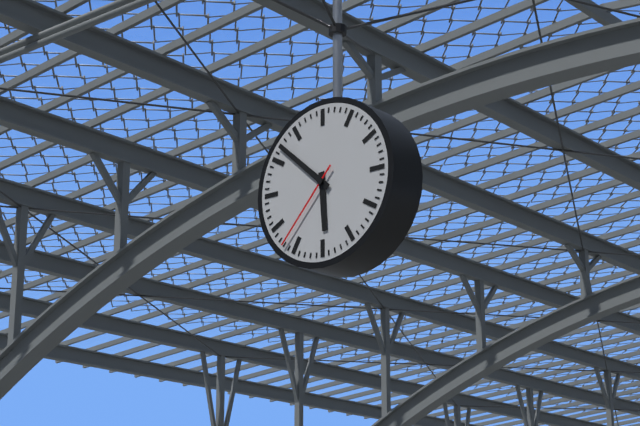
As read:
**5:52:37**
